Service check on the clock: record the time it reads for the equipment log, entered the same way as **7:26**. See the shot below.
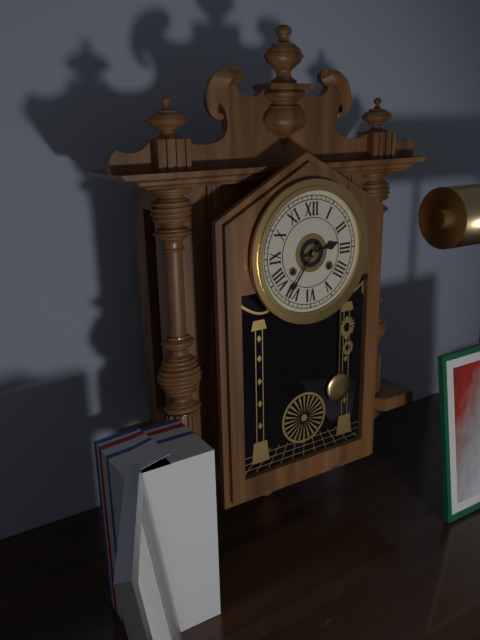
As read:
**2:36**
